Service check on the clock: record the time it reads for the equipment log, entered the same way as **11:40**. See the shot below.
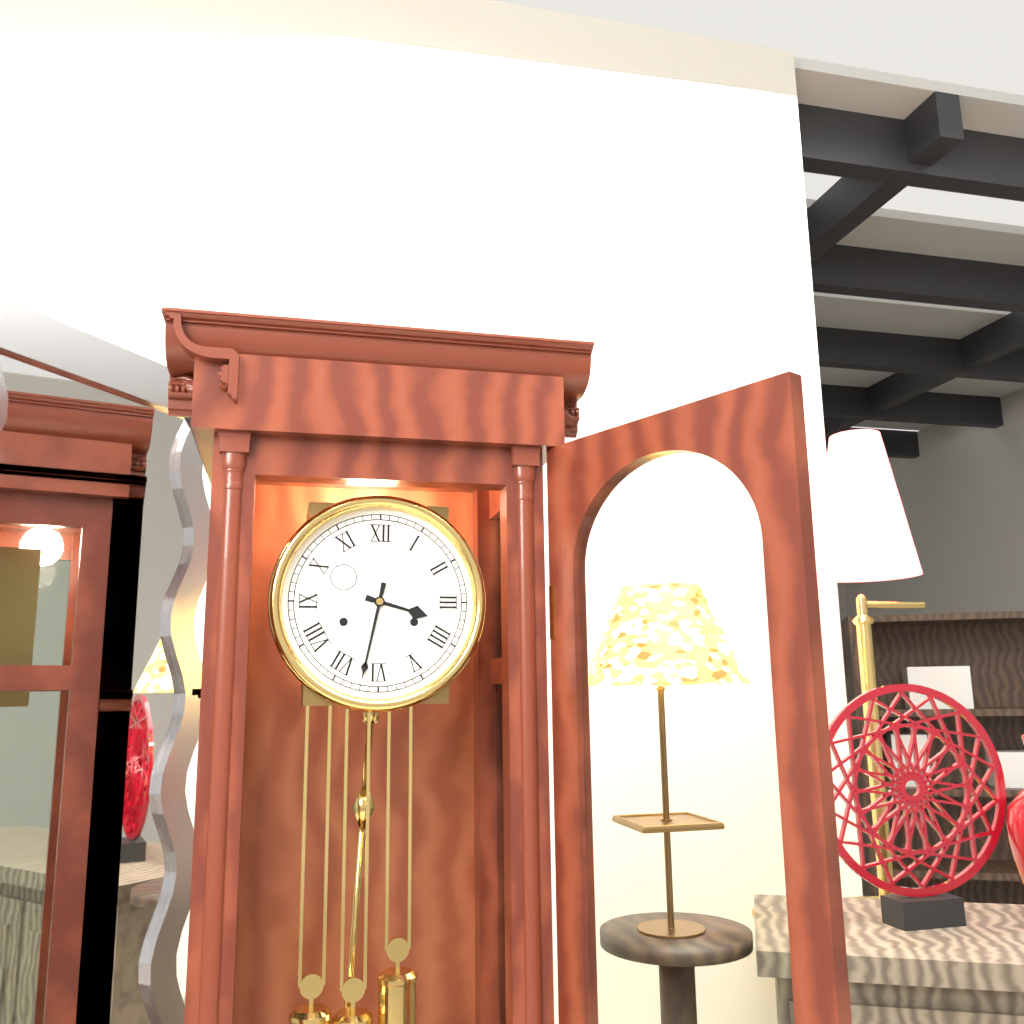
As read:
**3:32**
